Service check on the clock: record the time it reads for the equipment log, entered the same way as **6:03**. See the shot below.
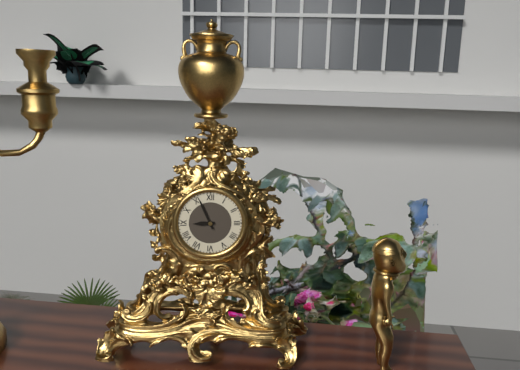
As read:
**8:56**
